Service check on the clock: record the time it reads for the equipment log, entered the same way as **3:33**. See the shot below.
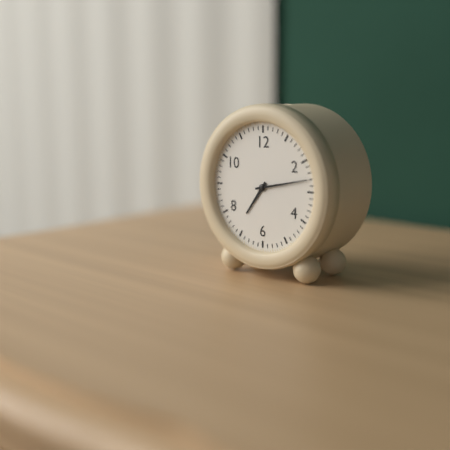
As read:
**7:13**
